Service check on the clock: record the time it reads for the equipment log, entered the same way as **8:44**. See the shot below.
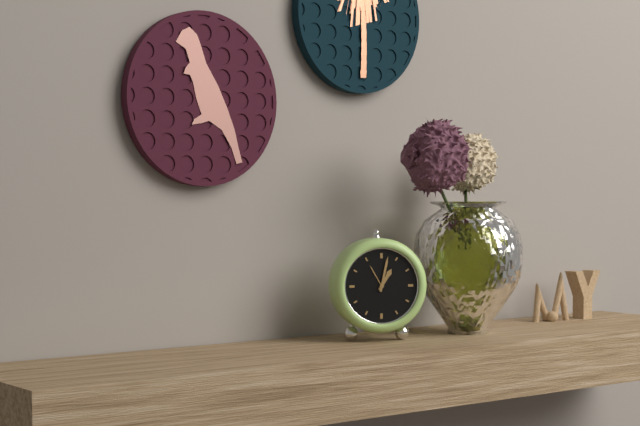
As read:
**1:02**
